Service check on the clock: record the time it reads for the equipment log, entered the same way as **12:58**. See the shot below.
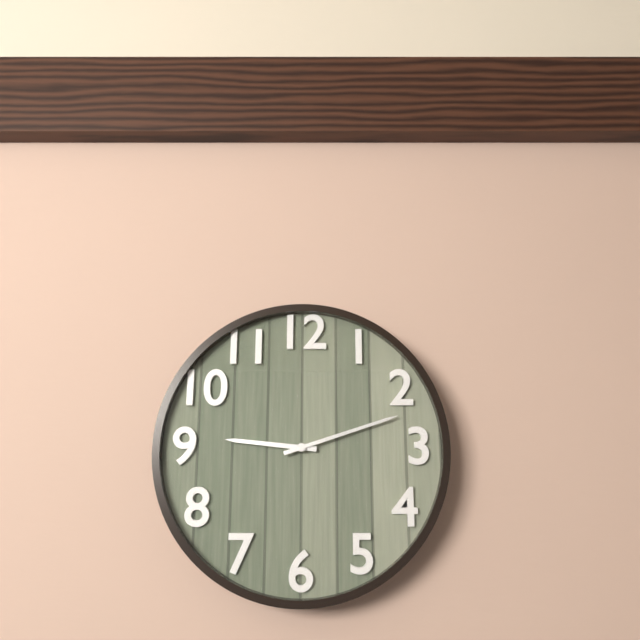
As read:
**9:12**
